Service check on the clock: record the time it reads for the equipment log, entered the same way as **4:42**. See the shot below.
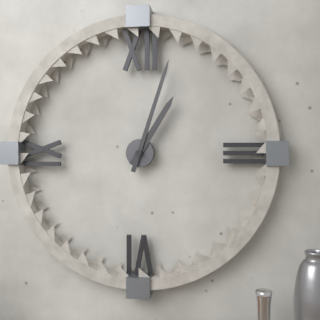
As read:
**1:03**
